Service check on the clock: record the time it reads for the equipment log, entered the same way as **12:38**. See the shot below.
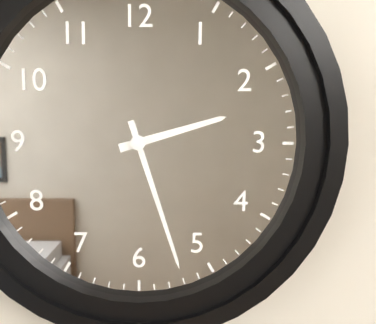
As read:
**2:27**
